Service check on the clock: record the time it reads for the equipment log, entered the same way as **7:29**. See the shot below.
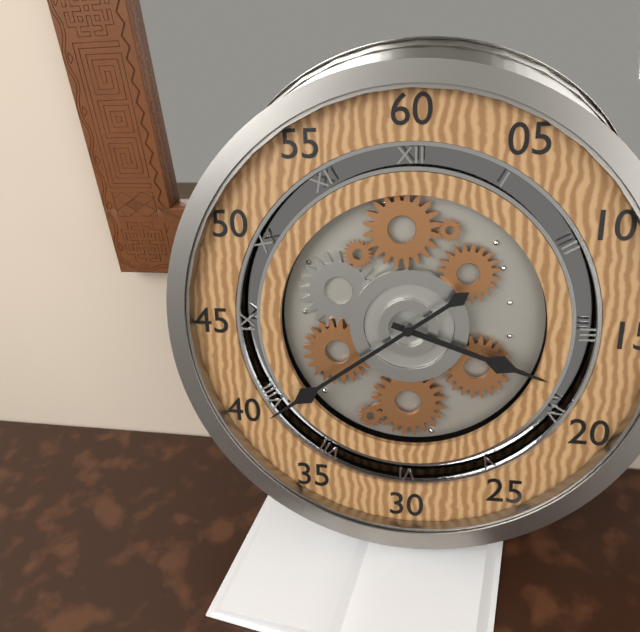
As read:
**3:39**
